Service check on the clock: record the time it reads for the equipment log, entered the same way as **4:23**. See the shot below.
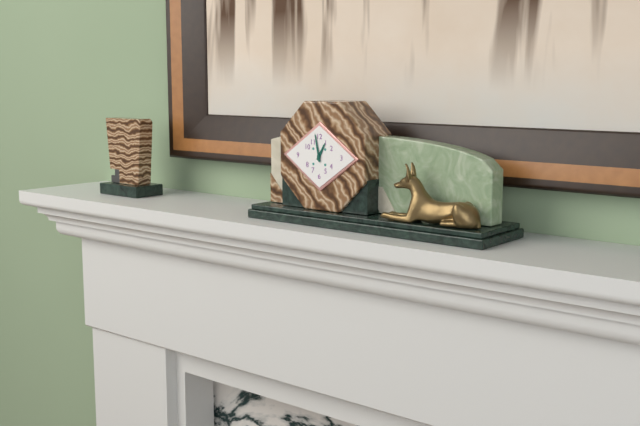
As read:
**12:58**
